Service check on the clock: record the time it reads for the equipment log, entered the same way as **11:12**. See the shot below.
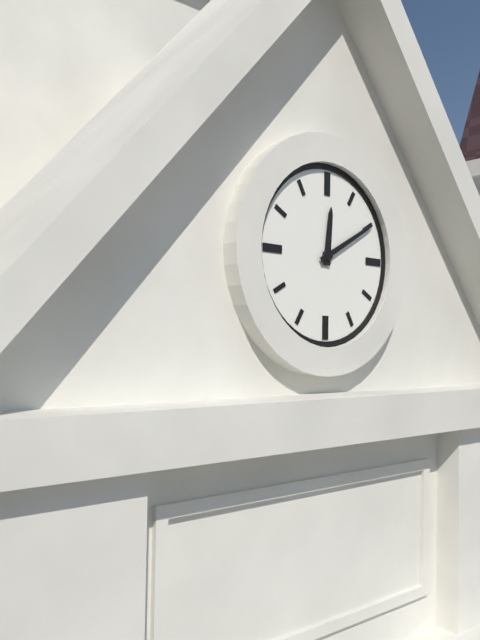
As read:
**12:10**
